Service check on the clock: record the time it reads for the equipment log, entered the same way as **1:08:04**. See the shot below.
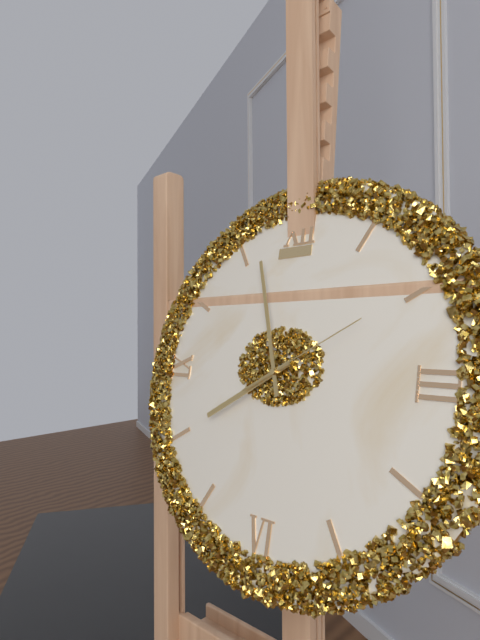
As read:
**7:57:10**
